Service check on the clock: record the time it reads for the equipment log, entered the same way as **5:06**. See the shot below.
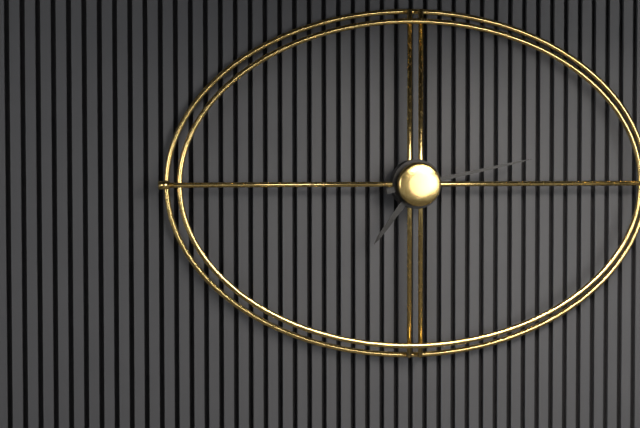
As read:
**7:13**
